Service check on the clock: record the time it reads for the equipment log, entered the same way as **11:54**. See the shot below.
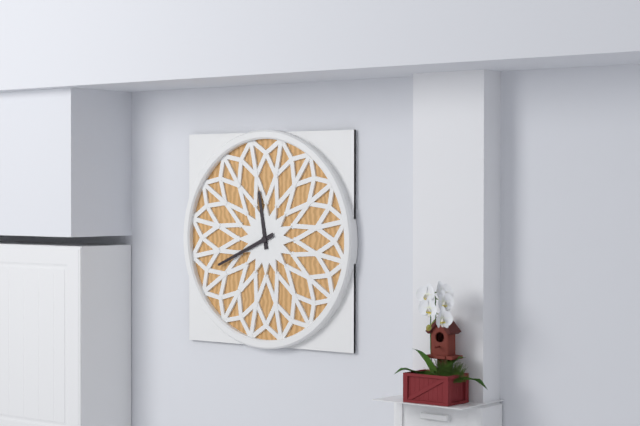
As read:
**11:41**
